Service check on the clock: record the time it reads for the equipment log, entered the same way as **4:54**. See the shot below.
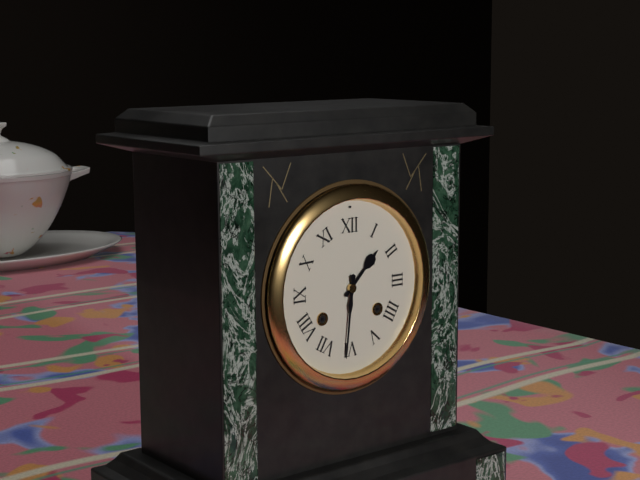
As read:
**1:31**
